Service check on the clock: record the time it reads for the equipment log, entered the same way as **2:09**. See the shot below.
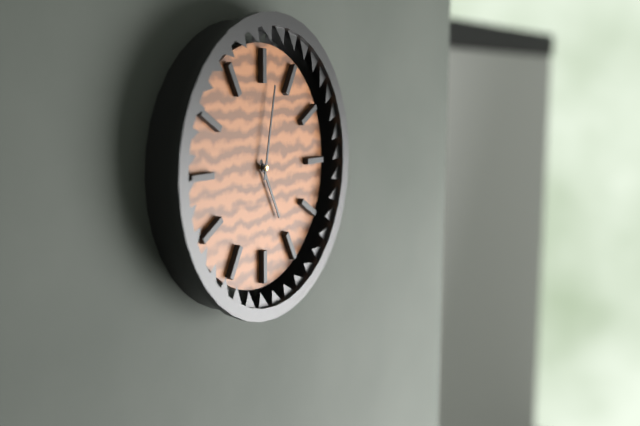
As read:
**5:02**
